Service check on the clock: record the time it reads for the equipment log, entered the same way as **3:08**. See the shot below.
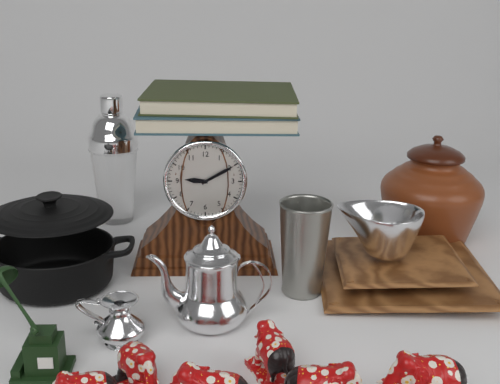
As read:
**9:10**
